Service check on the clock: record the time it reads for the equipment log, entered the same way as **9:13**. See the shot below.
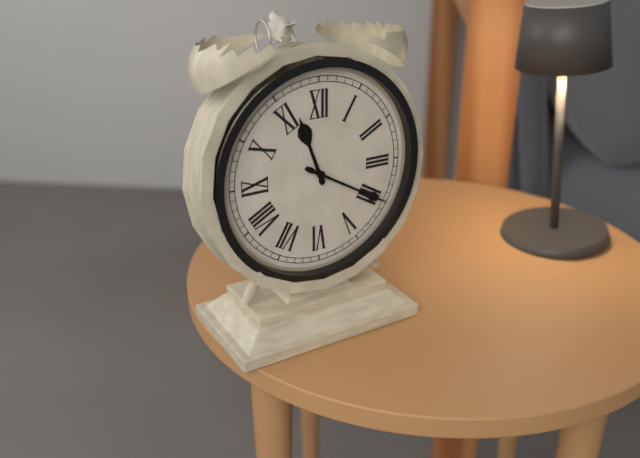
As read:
**11:20**
